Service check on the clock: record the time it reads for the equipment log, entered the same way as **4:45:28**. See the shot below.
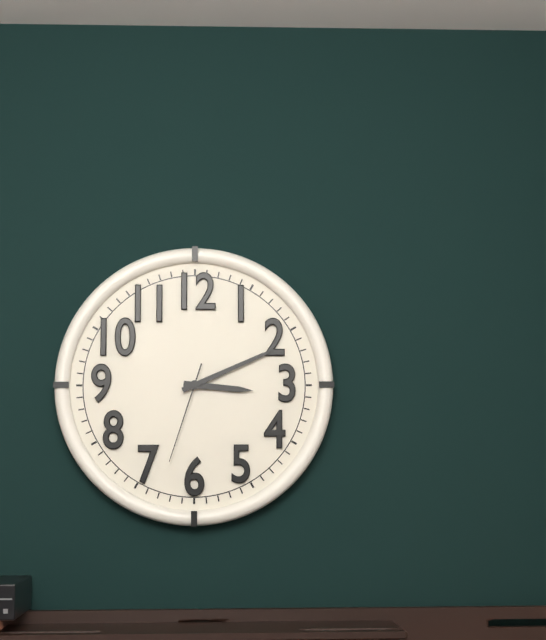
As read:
**3:11:33**
